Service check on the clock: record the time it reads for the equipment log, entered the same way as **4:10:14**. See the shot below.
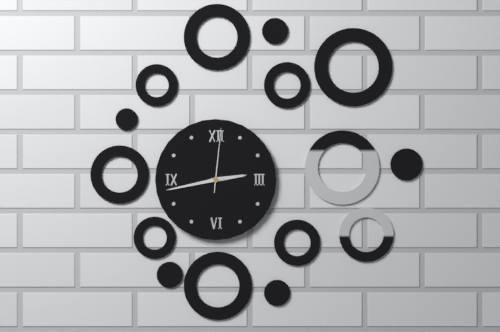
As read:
**2:43:01**
